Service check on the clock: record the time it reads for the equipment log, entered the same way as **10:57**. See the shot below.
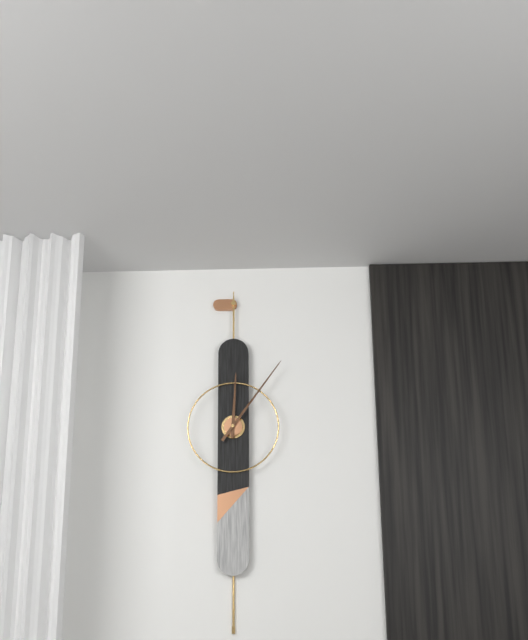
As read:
**12:06**
